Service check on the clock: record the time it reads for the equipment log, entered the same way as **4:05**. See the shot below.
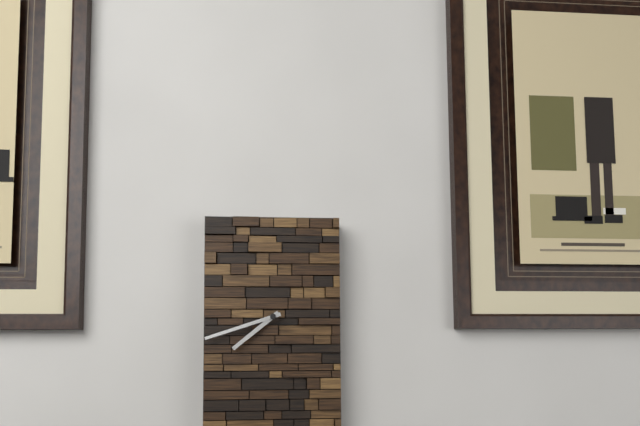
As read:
**7:42**
